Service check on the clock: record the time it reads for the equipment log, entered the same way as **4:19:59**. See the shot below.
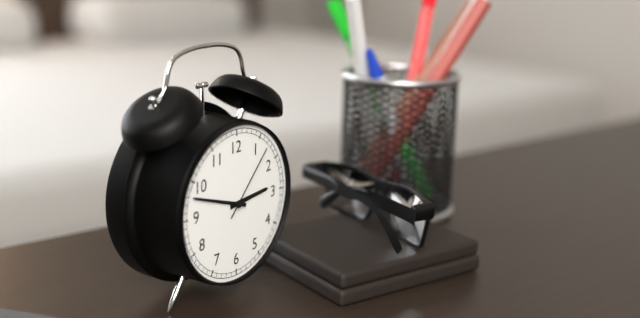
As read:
**2:48:07**
